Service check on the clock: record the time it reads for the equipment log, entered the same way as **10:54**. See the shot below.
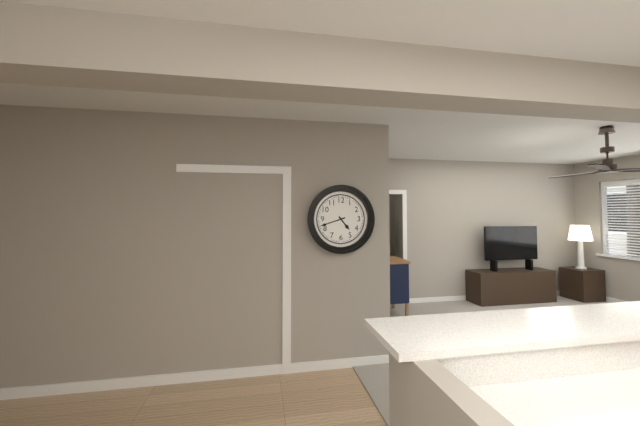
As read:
**4:42**
